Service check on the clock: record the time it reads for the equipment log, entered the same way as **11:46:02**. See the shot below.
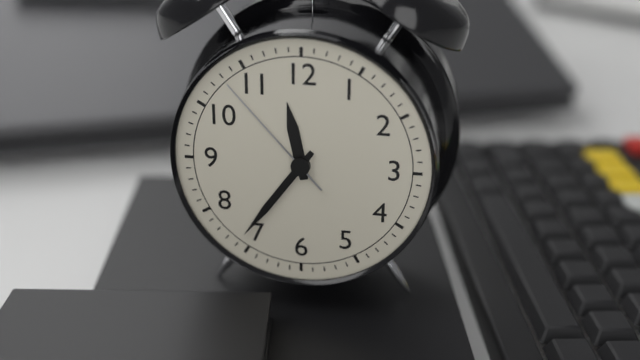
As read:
**11:36:53**
